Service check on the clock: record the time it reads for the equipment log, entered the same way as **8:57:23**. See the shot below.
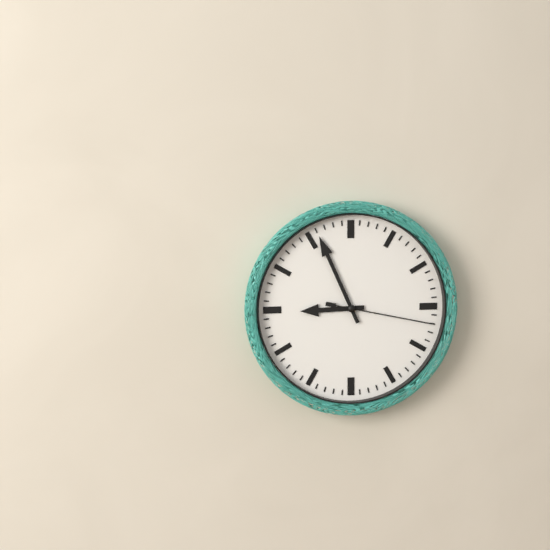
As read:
**8:56:17**
